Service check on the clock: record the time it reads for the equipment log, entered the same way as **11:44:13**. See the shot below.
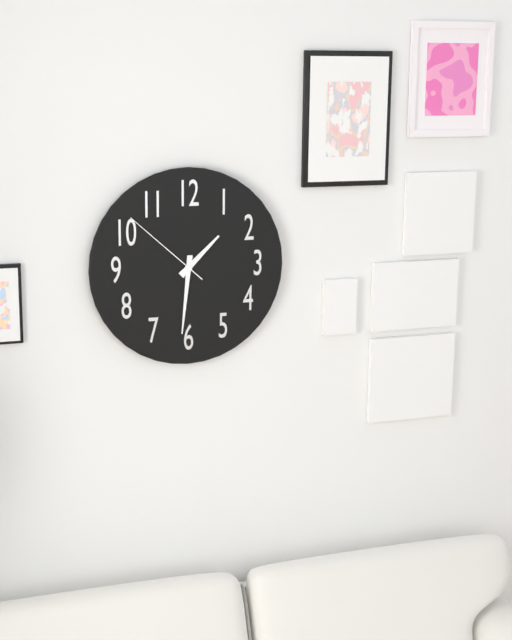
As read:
**1:31:52**
